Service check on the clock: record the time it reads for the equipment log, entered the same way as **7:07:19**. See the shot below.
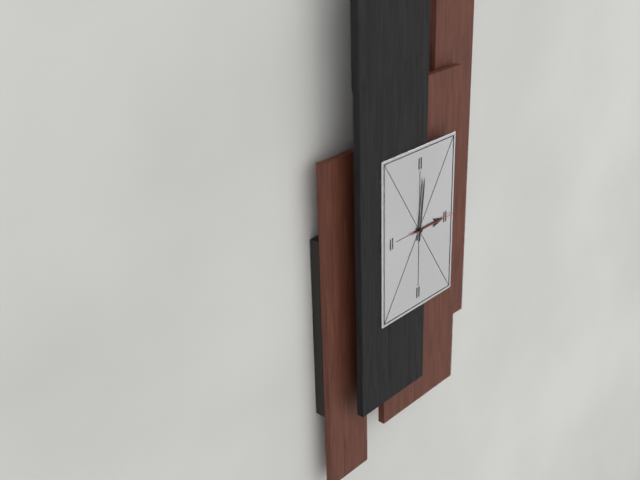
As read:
**3:01:15**
